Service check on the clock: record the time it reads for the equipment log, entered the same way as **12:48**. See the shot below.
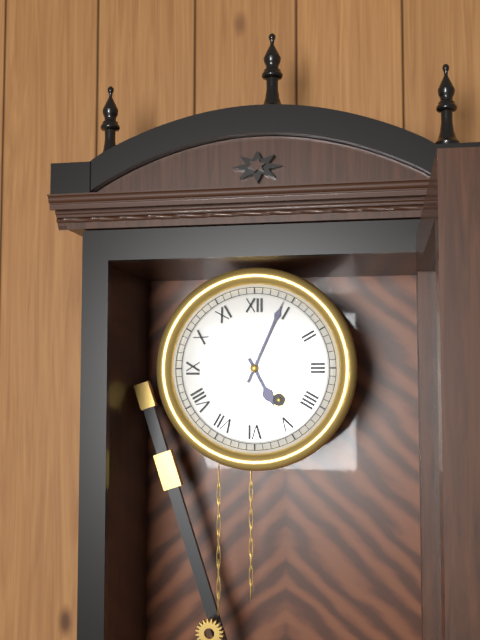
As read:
**5:04**
